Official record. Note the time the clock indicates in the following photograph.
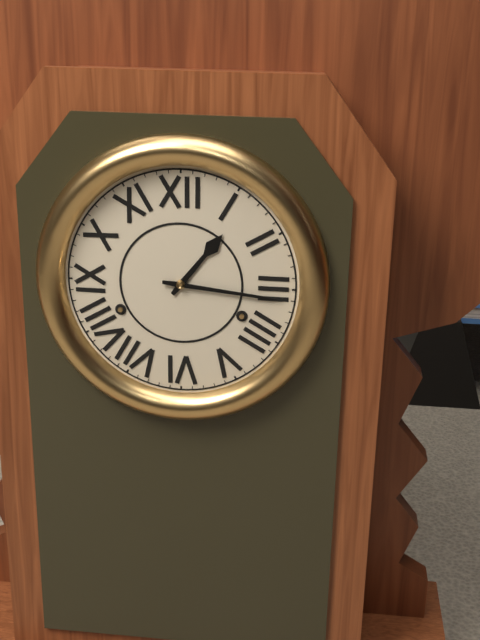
1:16
